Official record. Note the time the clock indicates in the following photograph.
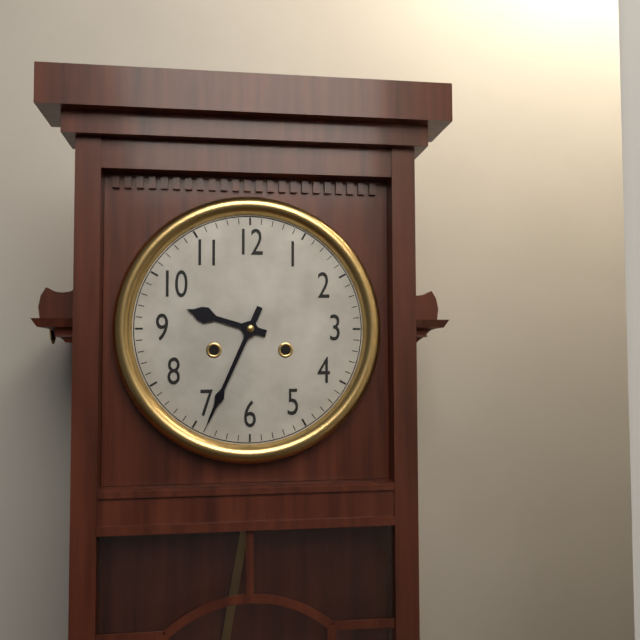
9:34
